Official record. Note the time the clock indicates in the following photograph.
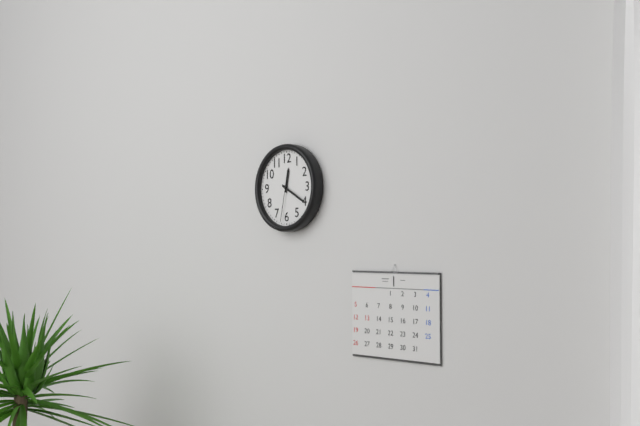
12:20
